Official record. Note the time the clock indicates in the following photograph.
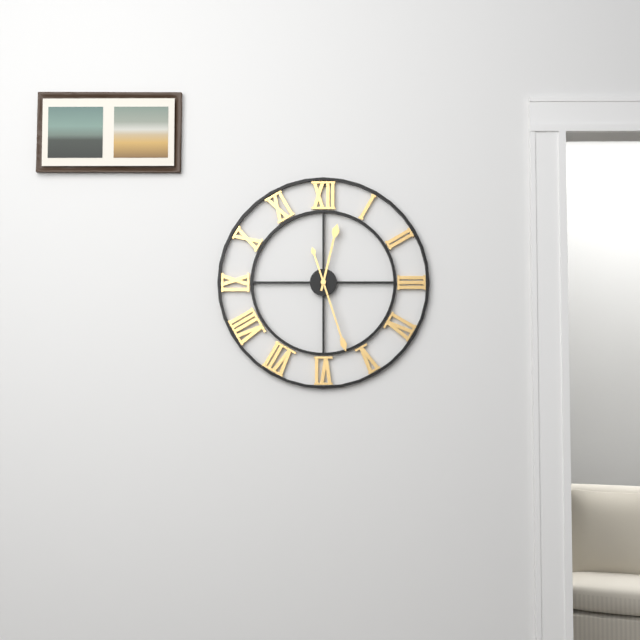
12:27
